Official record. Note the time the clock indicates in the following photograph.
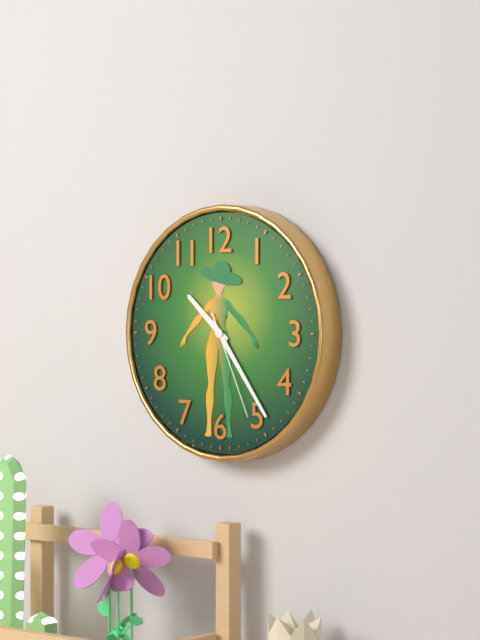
10:24:26
